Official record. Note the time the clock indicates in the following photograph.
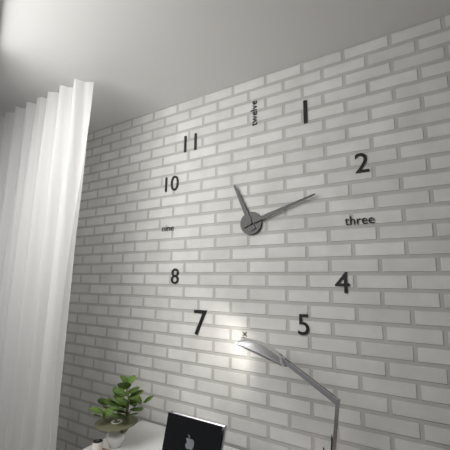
11:12
